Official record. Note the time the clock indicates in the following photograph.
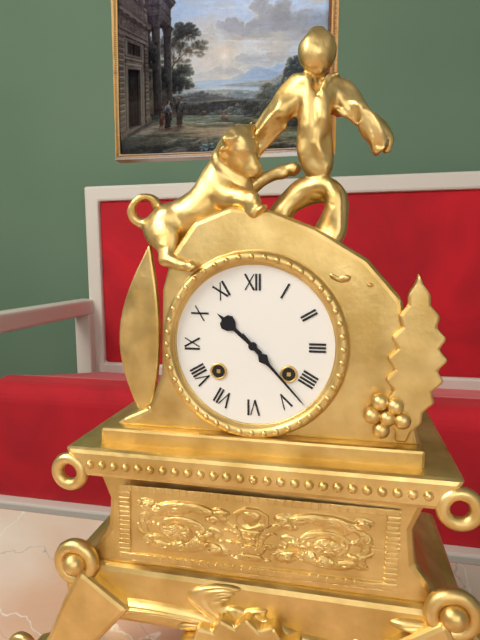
10:23
